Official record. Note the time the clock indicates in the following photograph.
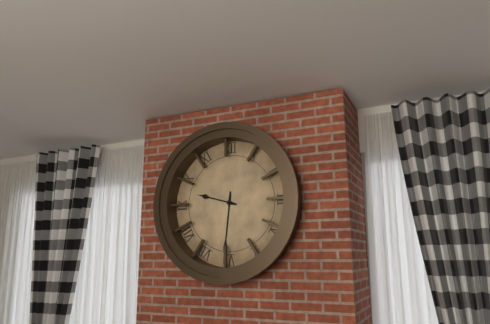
9:31
